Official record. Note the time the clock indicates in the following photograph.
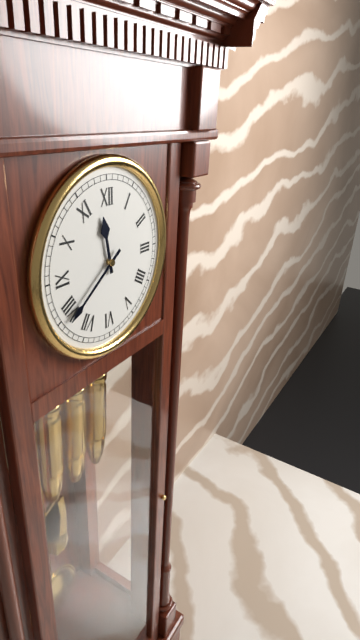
11:39
